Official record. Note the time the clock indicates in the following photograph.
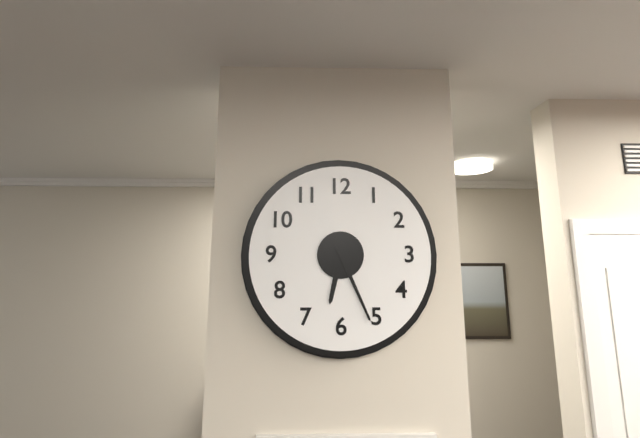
6:26
